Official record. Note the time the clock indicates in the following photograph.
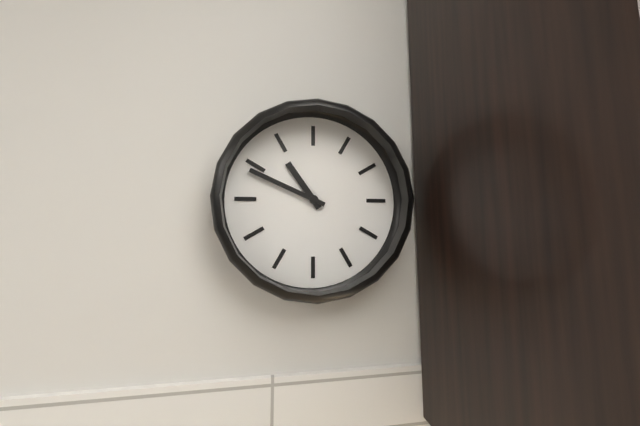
10:49
